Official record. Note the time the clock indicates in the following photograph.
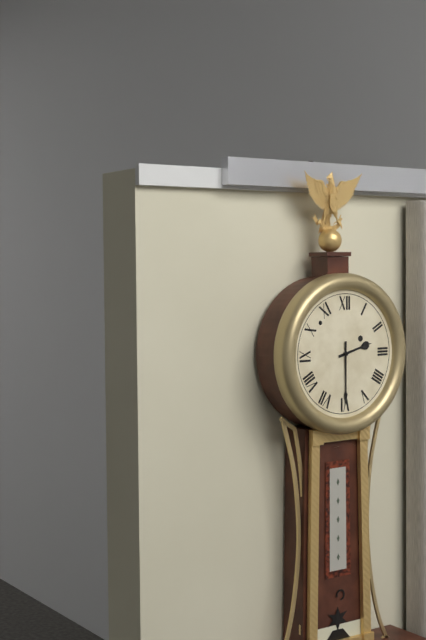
2:30
